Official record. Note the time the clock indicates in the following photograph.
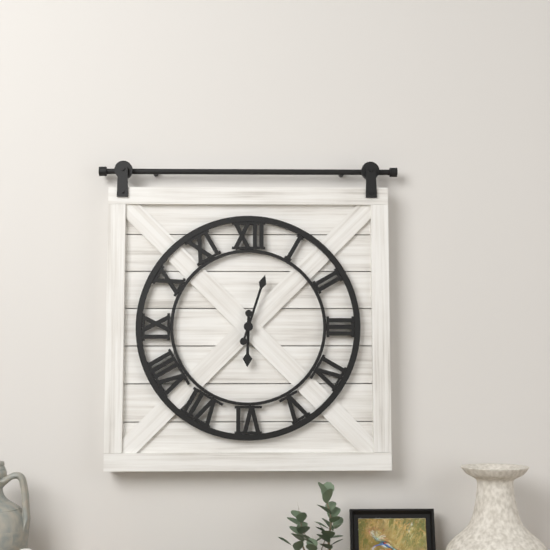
6:03
